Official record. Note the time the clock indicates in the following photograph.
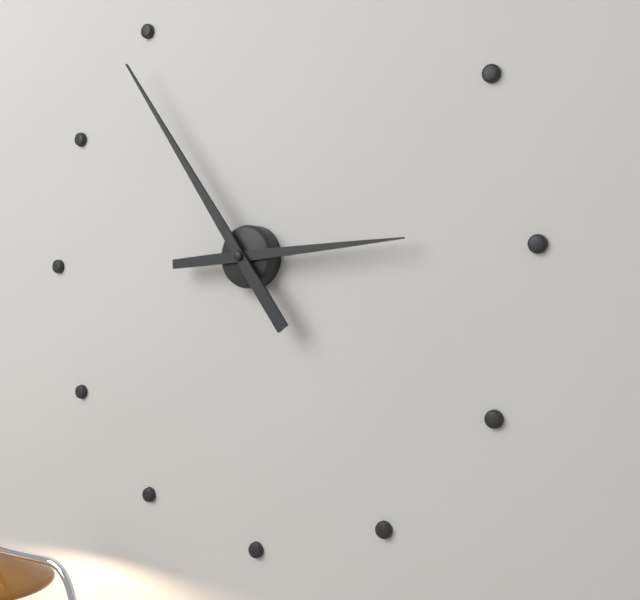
2:54
